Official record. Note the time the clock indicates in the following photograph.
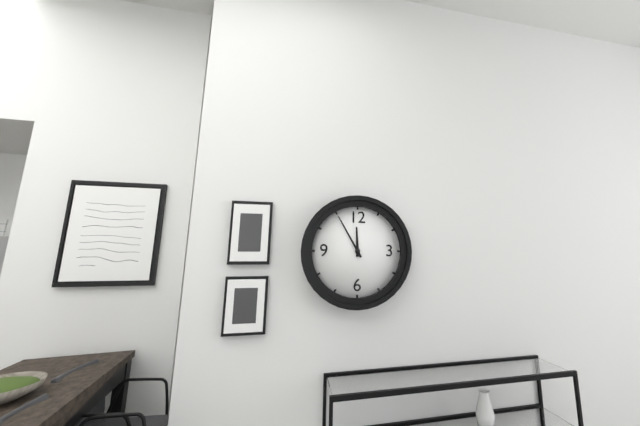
11:55
